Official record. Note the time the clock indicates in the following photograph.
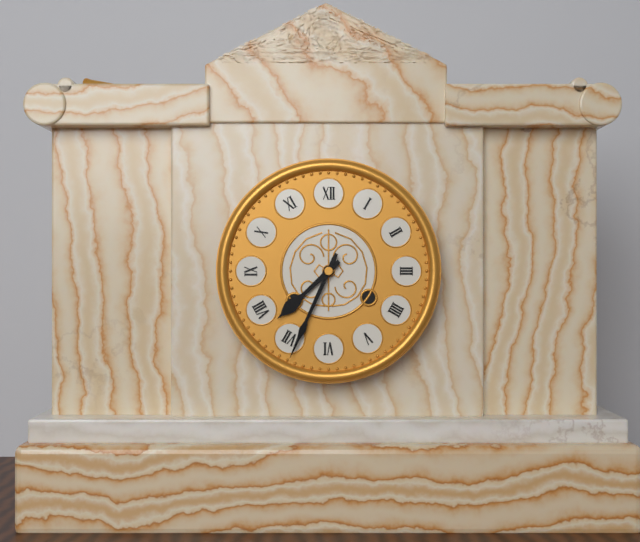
7:34
